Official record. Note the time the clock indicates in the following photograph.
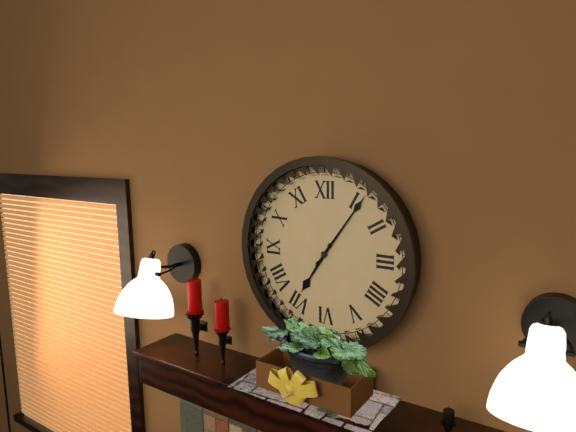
7:06
